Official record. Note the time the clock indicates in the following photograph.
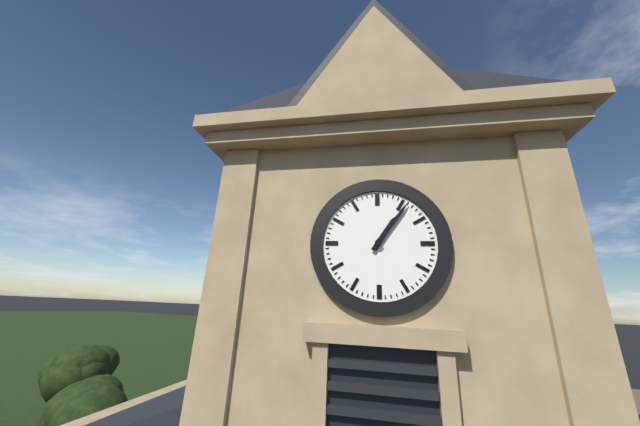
1:06
